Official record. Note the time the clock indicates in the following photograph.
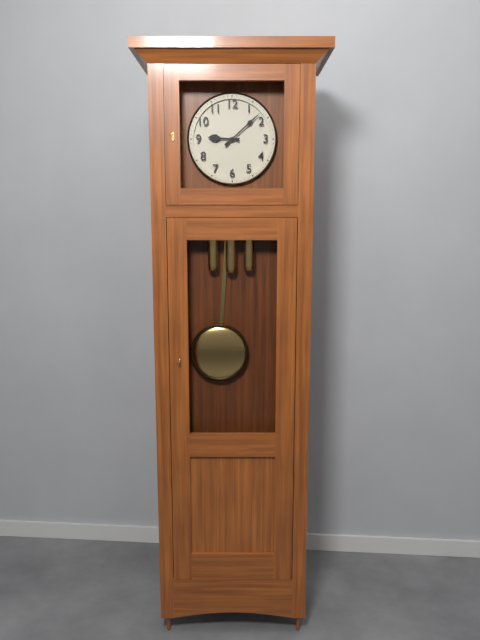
9:08
